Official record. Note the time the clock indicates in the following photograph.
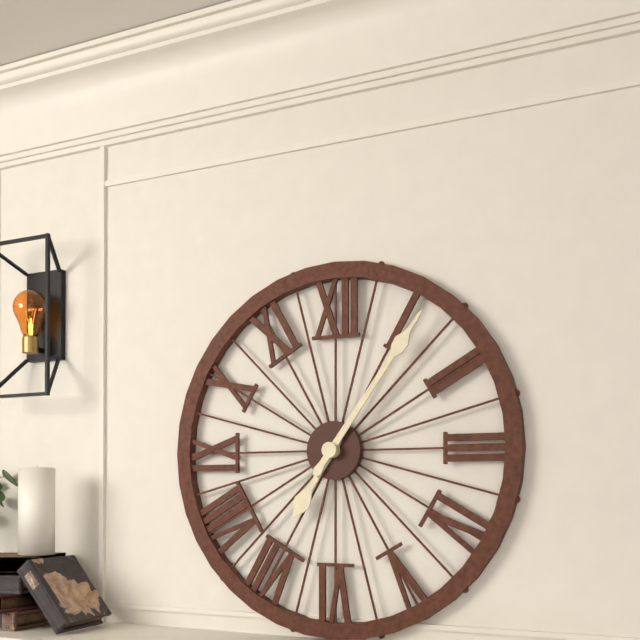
7:06
